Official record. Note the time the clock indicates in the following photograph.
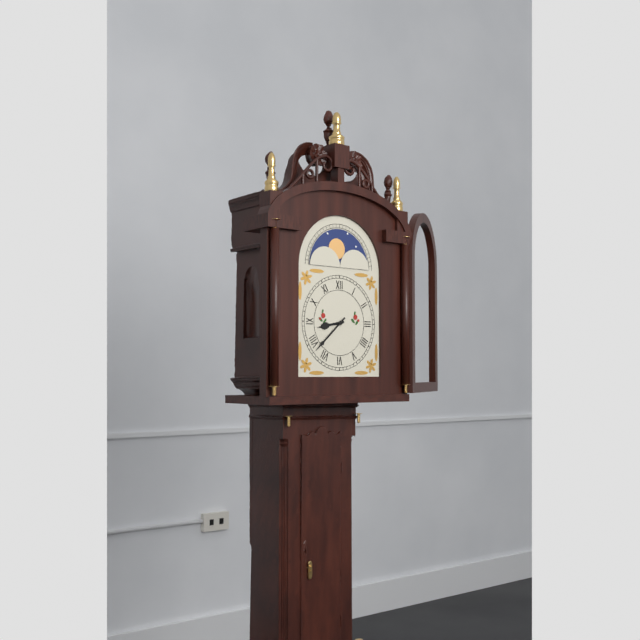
8:38
